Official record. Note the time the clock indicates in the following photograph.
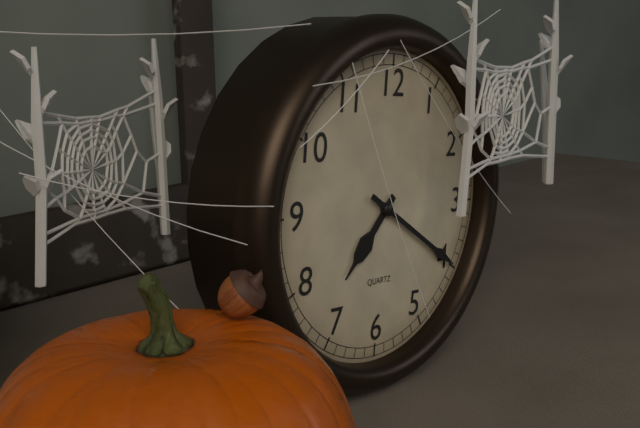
7:20
